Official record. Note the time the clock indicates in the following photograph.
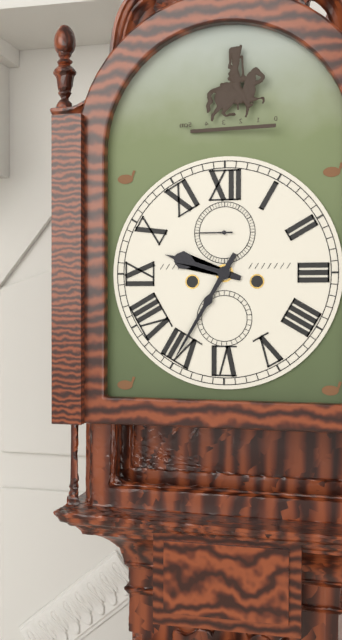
9:35
